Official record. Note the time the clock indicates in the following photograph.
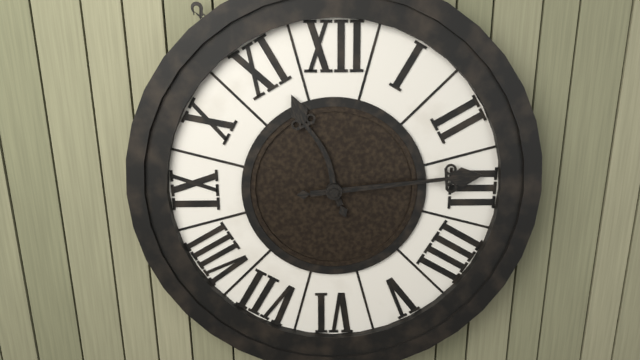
11:14
